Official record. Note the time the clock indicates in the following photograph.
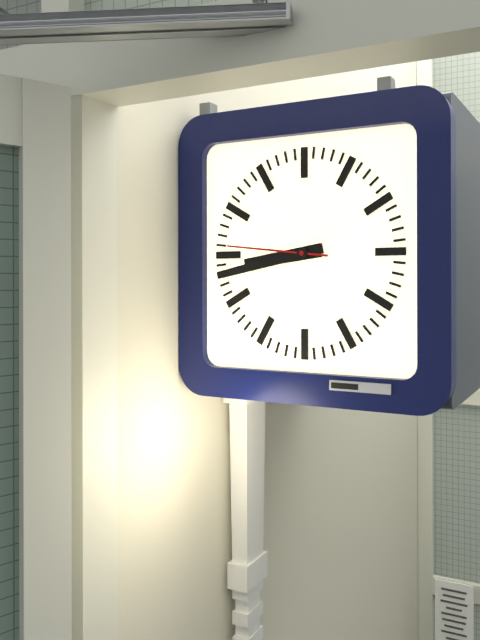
8:43:46
